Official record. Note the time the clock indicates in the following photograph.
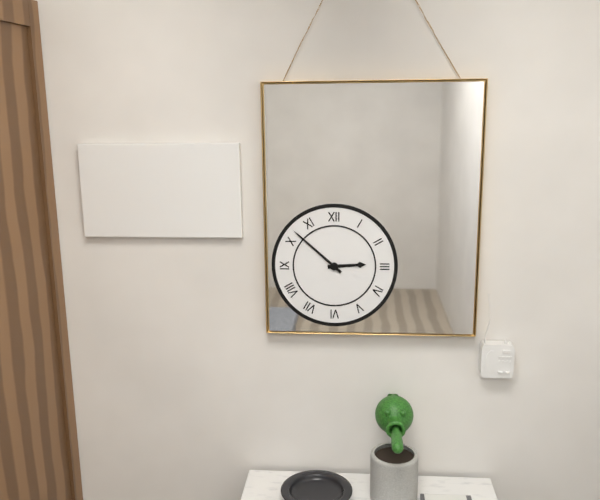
2:52
